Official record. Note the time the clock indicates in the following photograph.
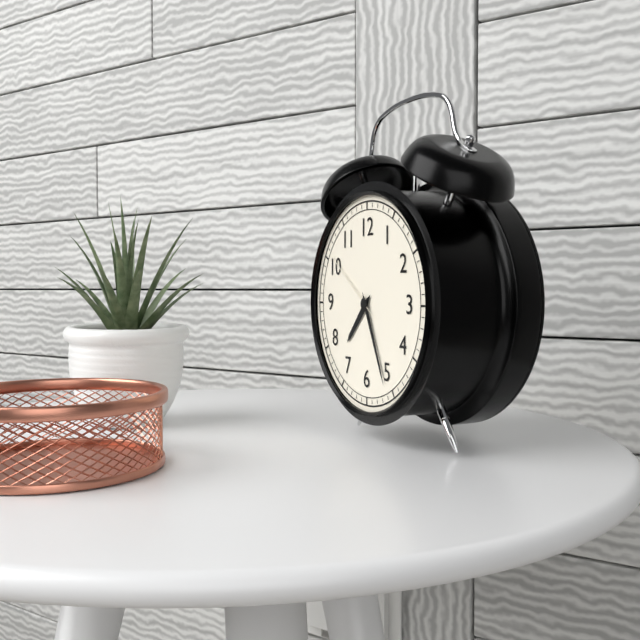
7:26:51
